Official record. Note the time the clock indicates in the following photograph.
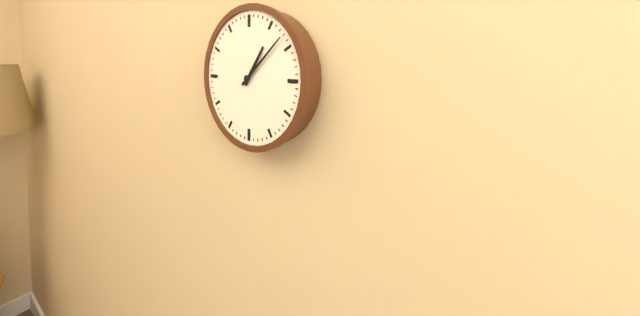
1:08
